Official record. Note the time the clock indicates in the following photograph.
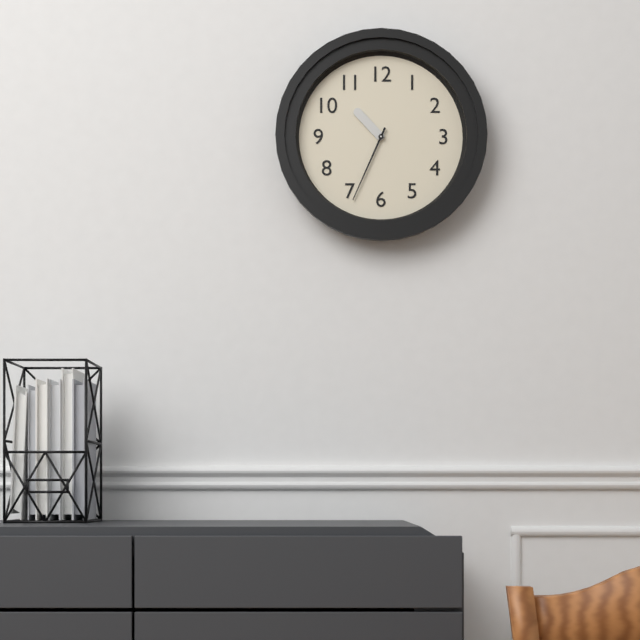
10:34
